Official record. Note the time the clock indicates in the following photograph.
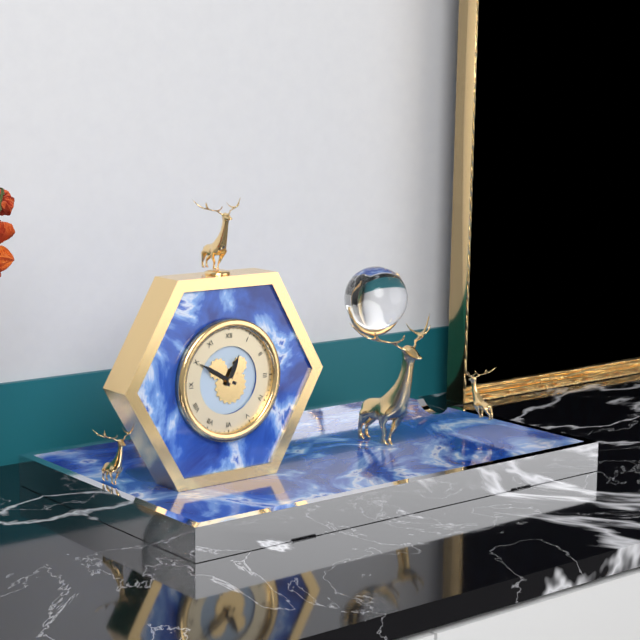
12:50
